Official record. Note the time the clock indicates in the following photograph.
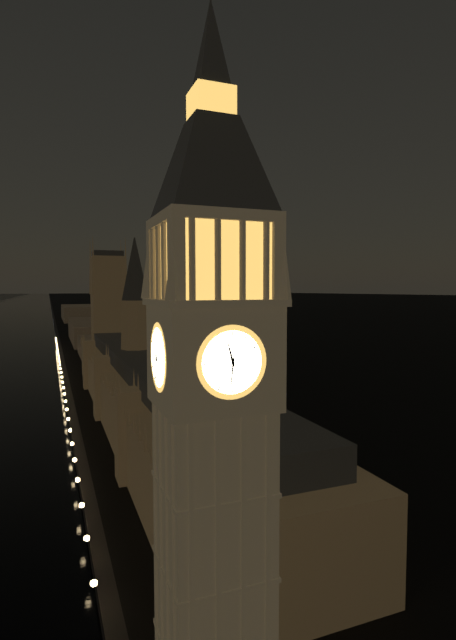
11:31
